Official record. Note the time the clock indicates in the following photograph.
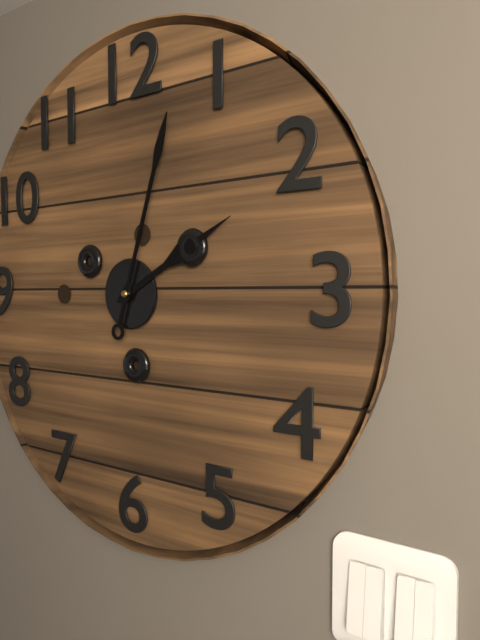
2:03
